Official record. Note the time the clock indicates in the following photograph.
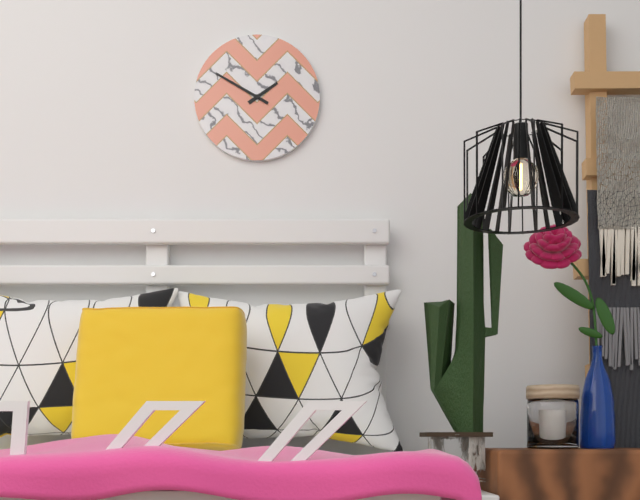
1:50
